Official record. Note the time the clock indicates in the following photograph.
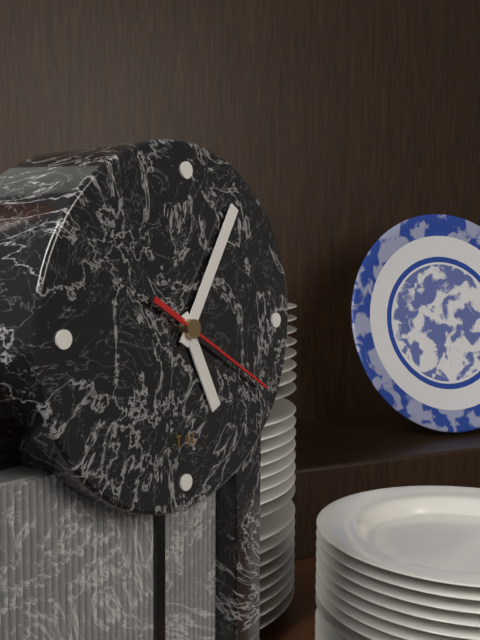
5:05:20
